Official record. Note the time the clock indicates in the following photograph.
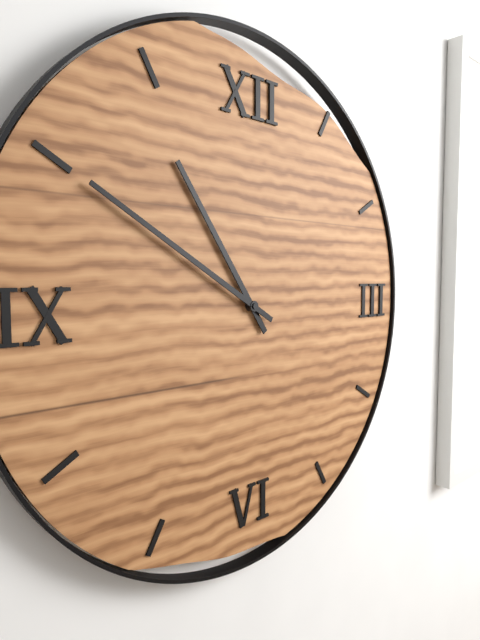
10:50
